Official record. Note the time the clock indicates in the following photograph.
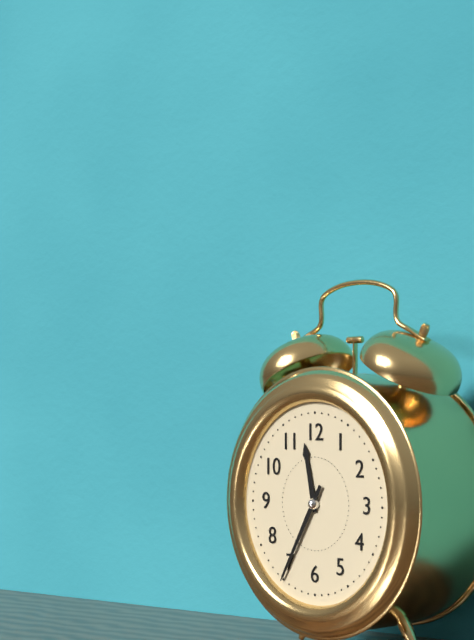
11:35
